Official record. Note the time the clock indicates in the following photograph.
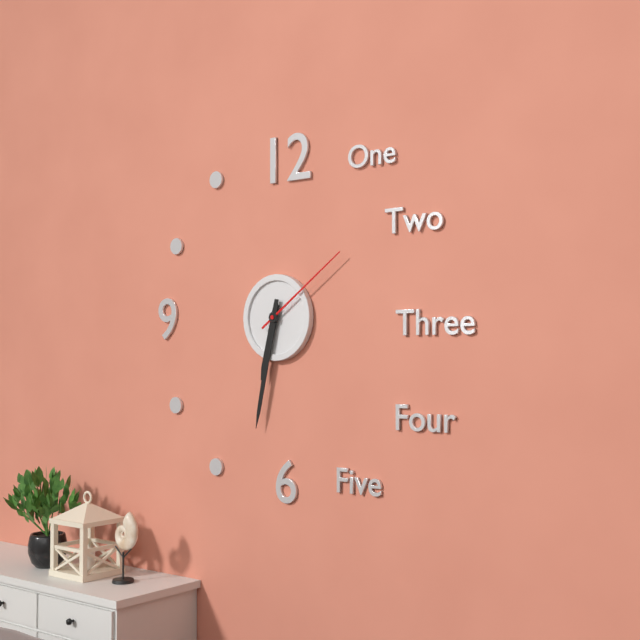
6:32:09
